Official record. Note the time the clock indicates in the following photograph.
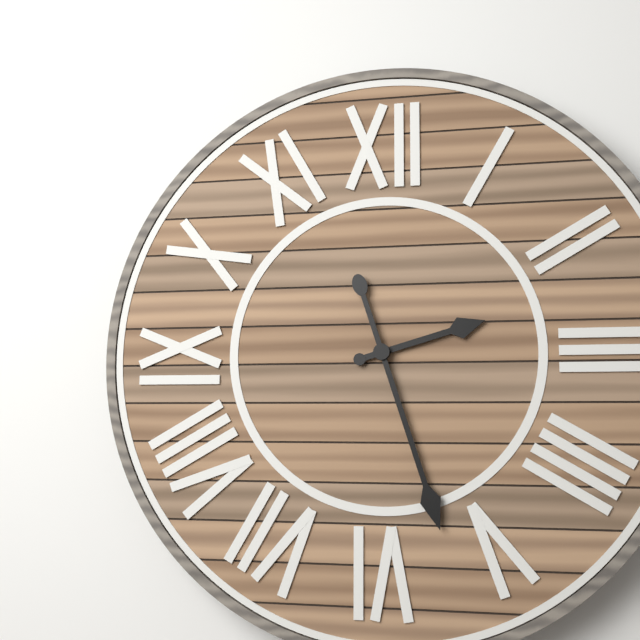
2:27
